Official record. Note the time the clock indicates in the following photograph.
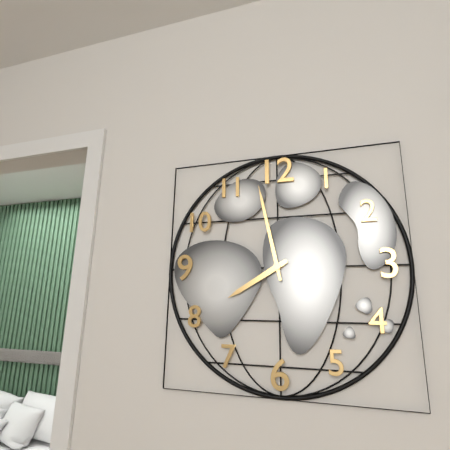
7:58
